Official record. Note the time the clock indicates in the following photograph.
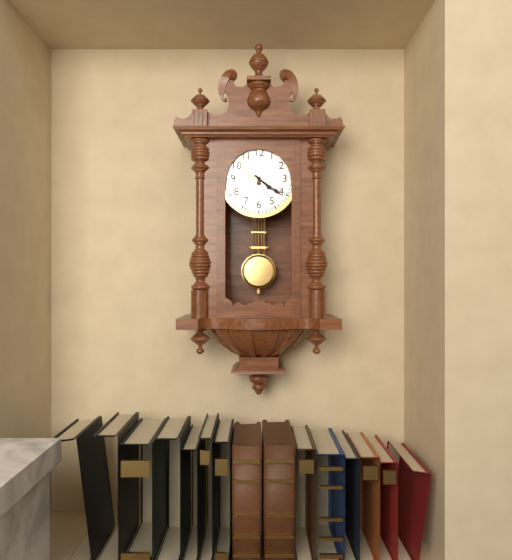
4:21
